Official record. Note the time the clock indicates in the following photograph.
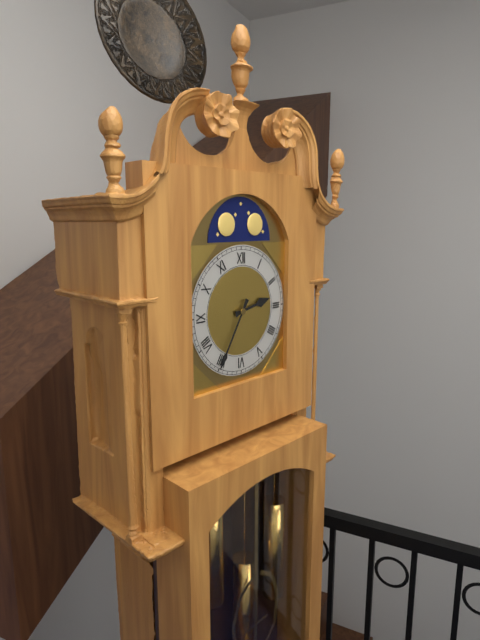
2:35
